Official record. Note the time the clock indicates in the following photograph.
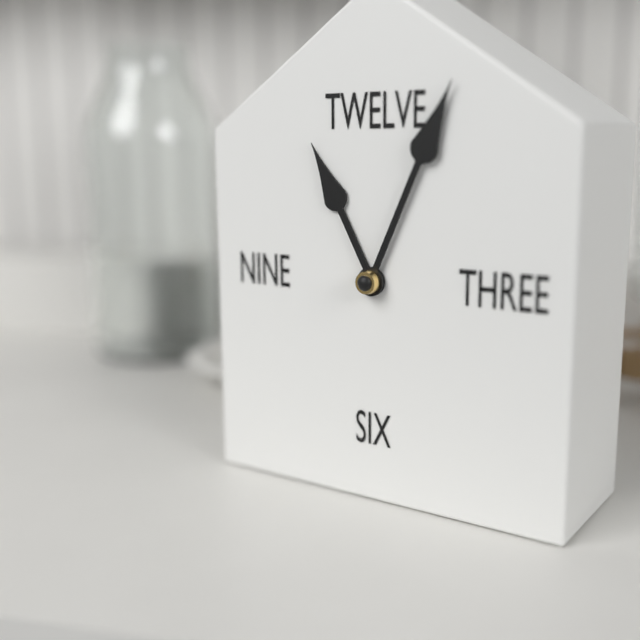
11:04
